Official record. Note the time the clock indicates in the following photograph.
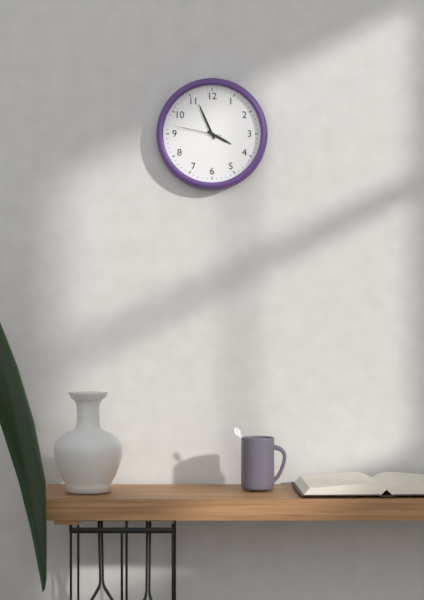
3:56
